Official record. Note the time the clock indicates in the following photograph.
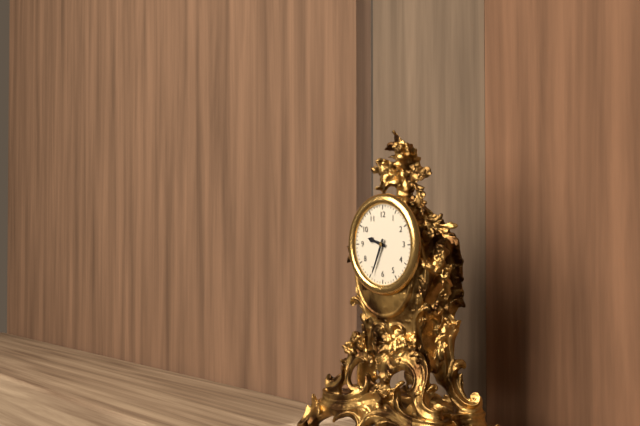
9:34
